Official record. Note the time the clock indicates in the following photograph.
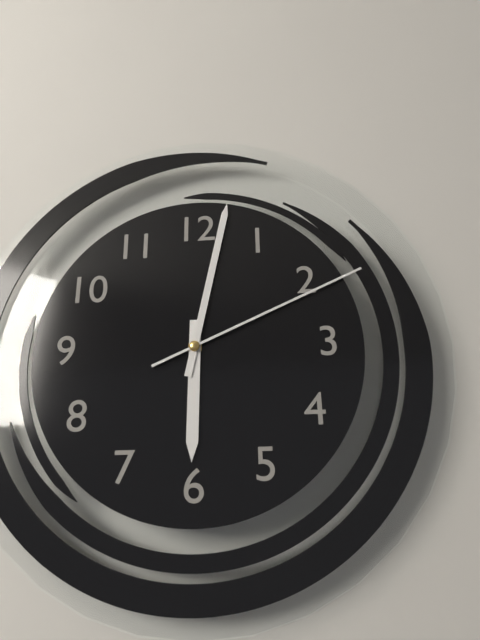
6:02:11
